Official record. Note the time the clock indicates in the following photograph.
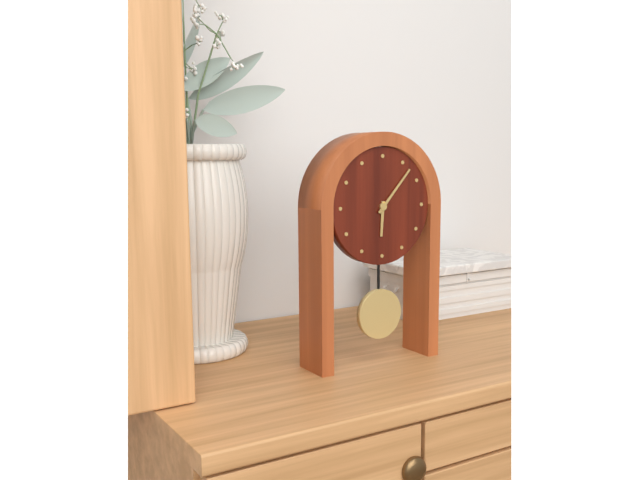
6:07
